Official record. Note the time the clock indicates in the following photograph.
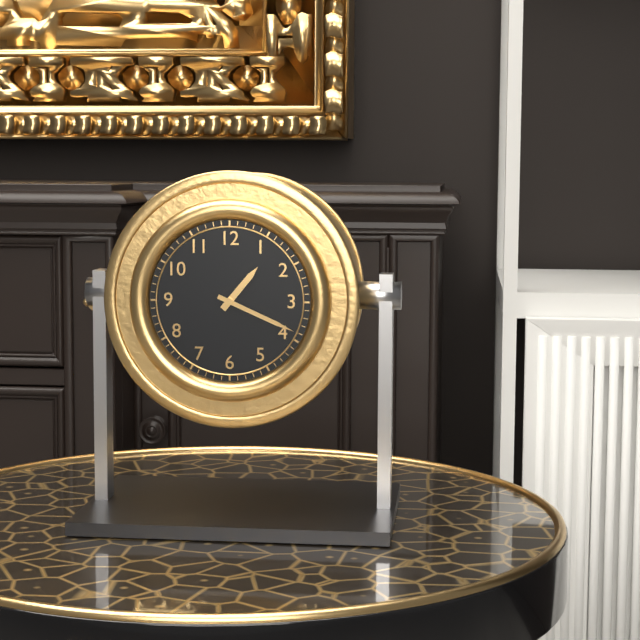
1:19
